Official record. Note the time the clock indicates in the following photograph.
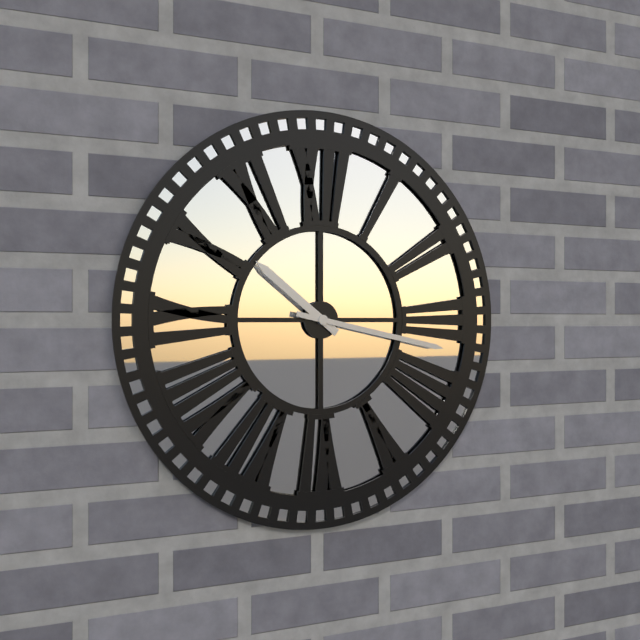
10:17
